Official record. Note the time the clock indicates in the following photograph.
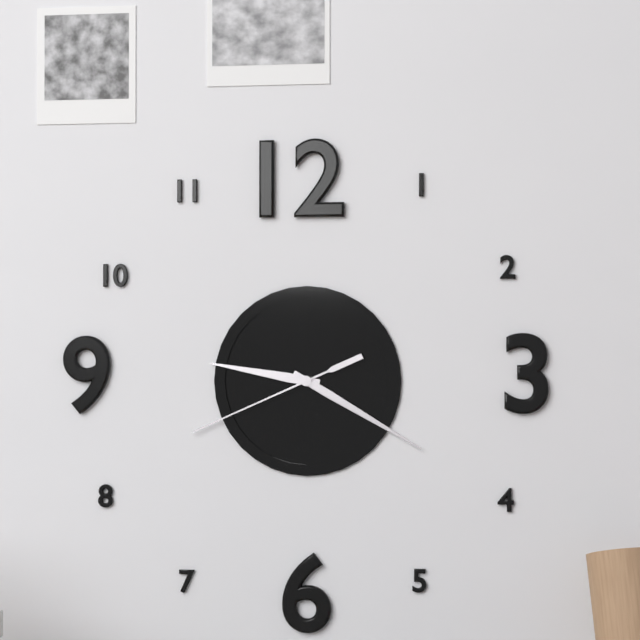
9:20:41
